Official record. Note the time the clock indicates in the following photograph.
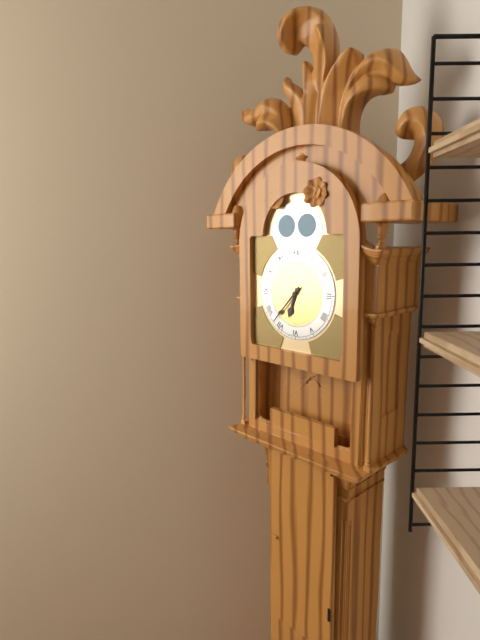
6:37
